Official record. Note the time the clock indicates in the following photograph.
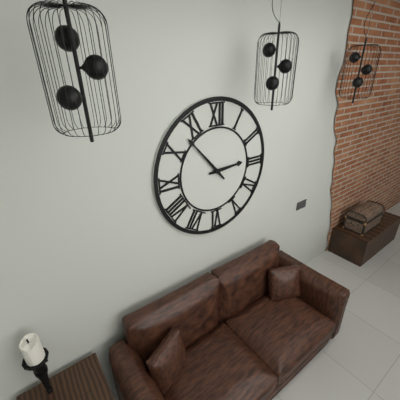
2:53
